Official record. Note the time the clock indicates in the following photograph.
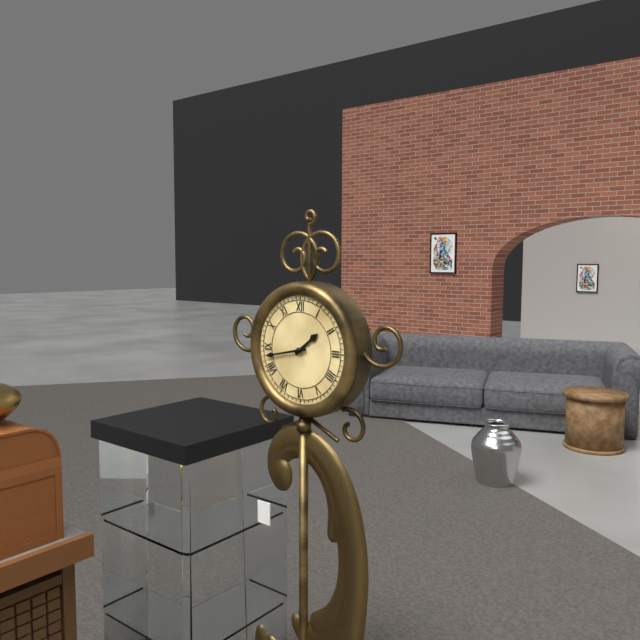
1:43
